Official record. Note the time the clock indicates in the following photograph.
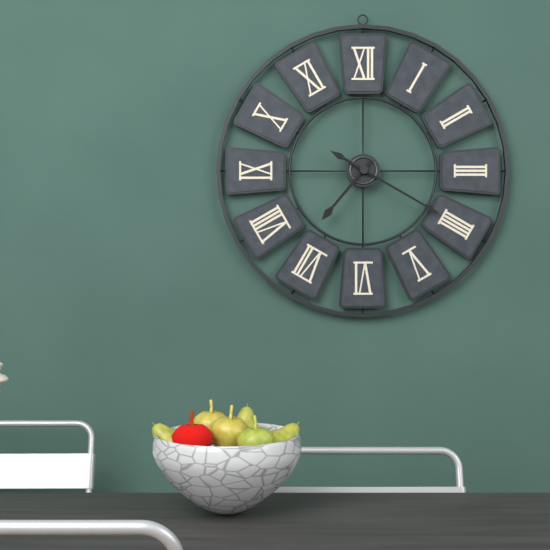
7:20
